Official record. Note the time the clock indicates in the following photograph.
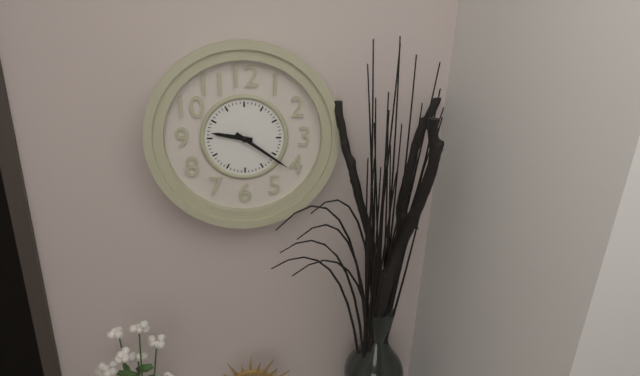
9:21
